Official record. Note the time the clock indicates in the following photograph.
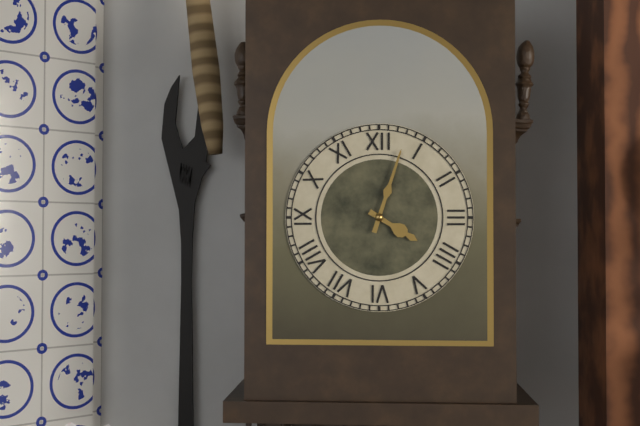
4:03
